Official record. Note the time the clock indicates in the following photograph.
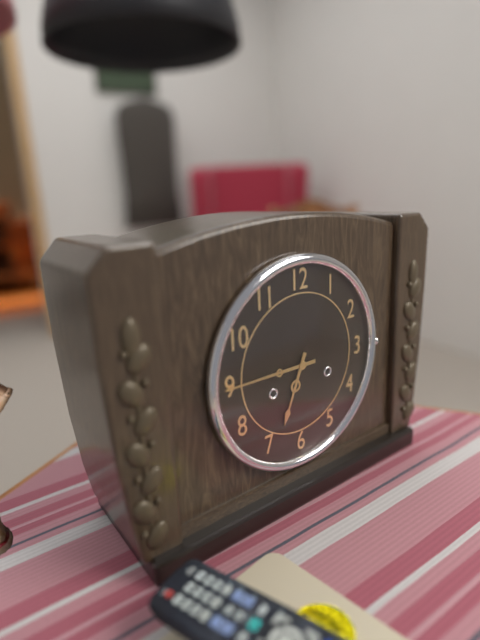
6:45
